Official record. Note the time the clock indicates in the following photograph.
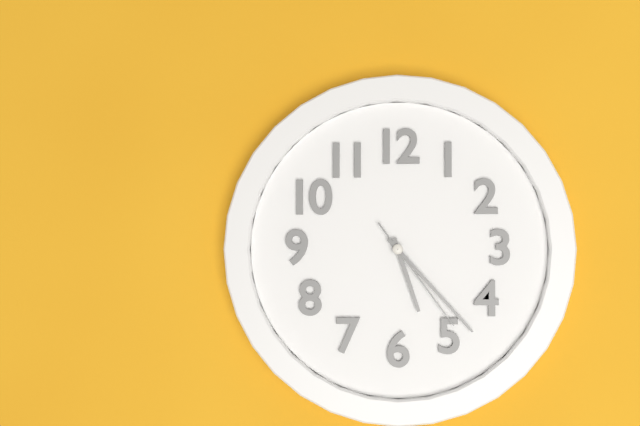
5:23:24
